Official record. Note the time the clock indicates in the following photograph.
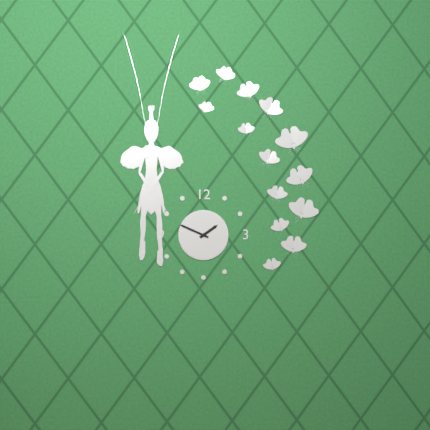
1:49
